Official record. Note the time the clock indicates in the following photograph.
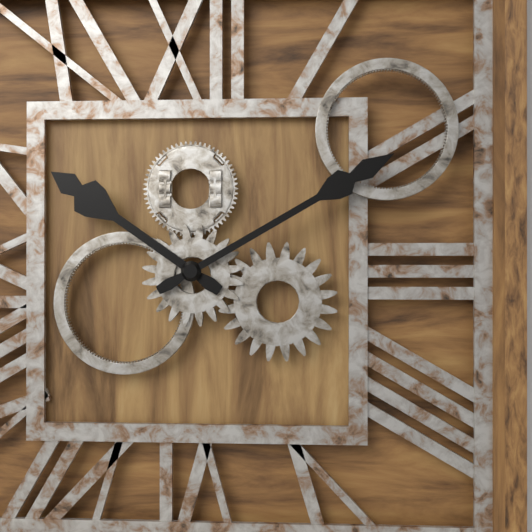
10:10
